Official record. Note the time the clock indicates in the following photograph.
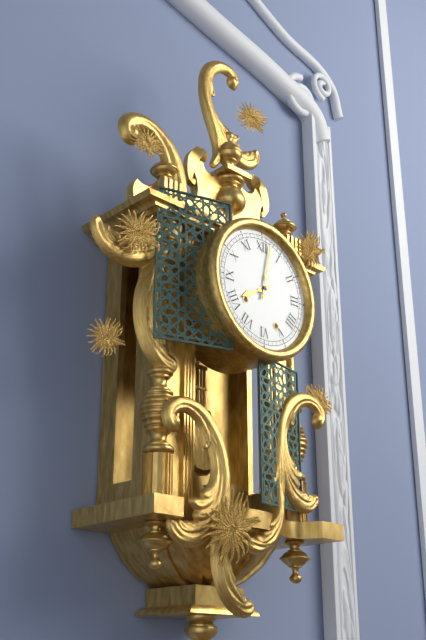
8:02
